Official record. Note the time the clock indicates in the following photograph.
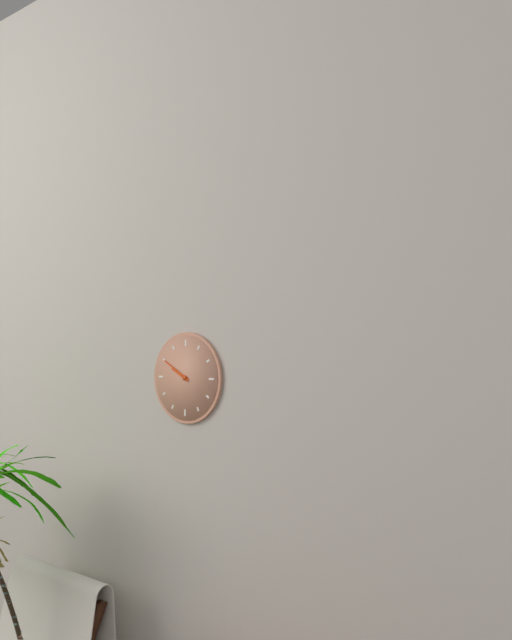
9:50
